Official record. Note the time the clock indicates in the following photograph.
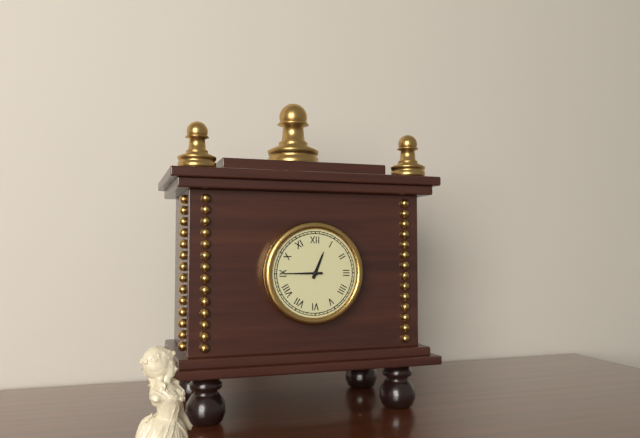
12:45
